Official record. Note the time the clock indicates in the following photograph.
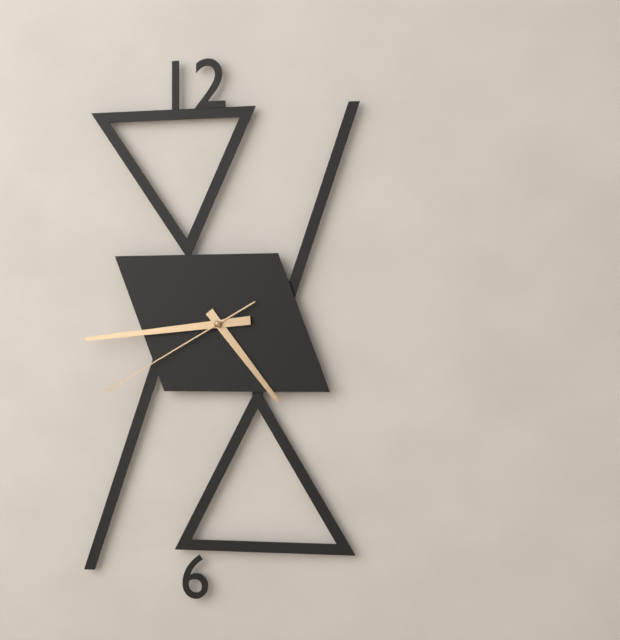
4:44:40
